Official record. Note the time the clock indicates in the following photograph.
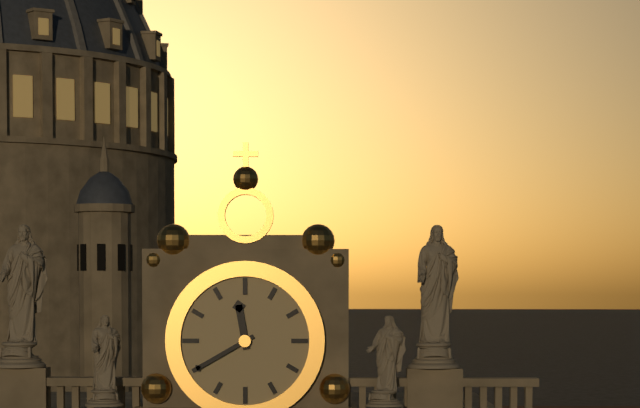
11:40
